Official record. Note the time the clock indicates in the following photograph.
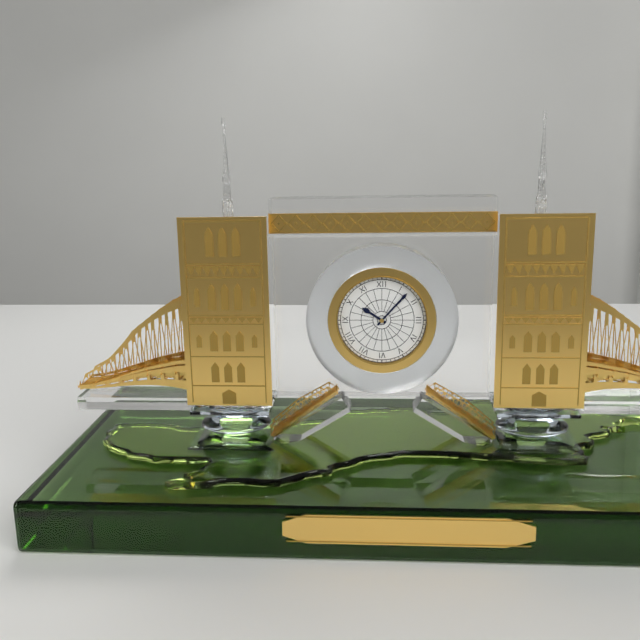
10:07
